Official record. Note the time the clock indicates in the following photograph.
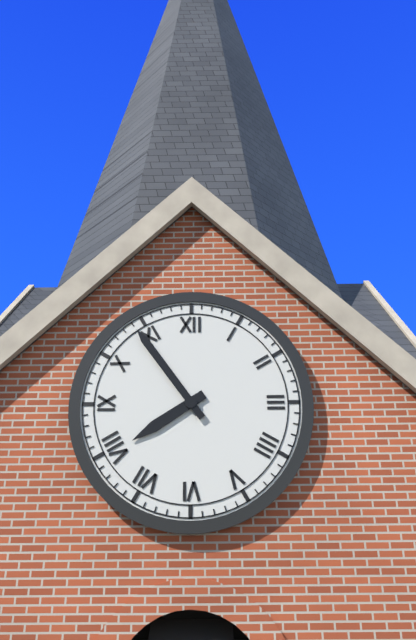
7:54
